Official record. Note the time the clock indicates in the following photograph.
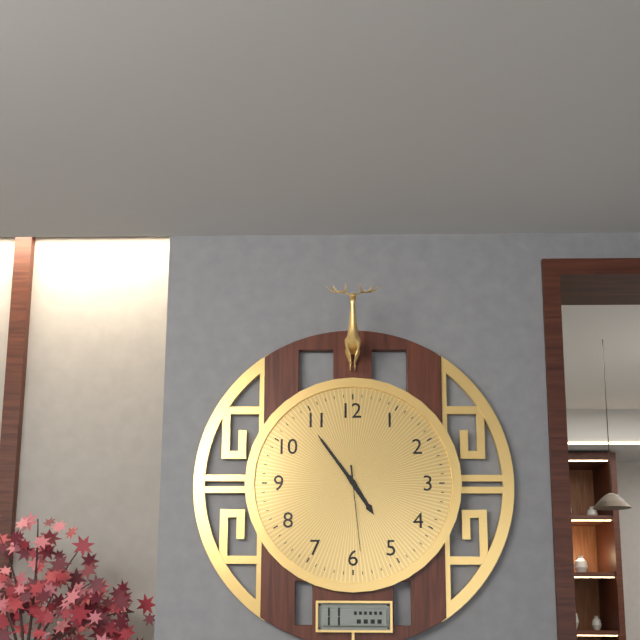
4:54:29
